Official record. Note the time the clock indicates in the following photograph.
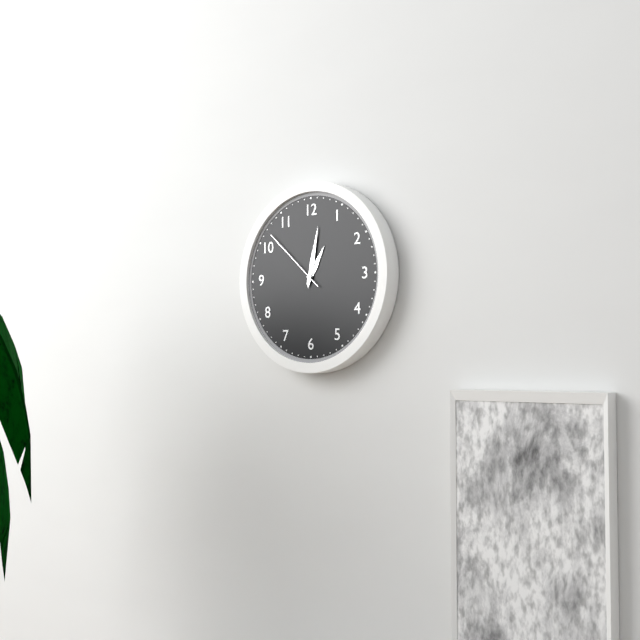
1:02:52
